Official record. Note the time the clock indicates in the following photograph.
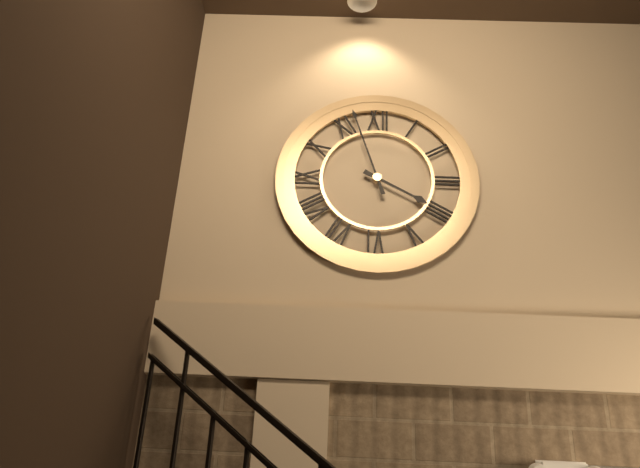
3:57
